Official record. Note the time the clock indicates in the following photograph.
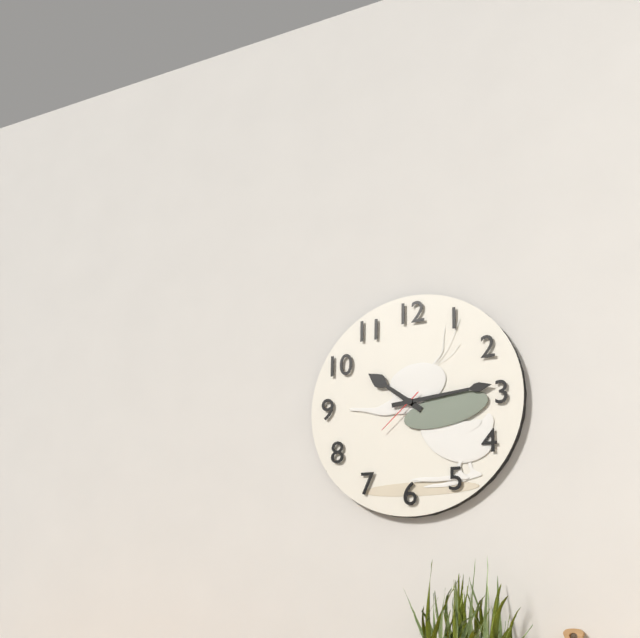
10:14:38
